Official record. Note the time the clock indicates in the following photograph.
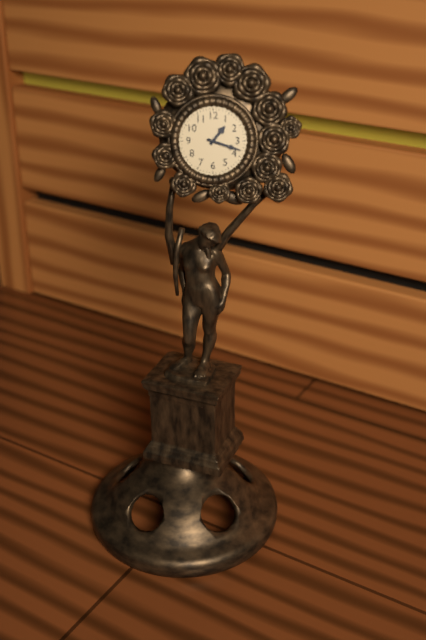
1:18
